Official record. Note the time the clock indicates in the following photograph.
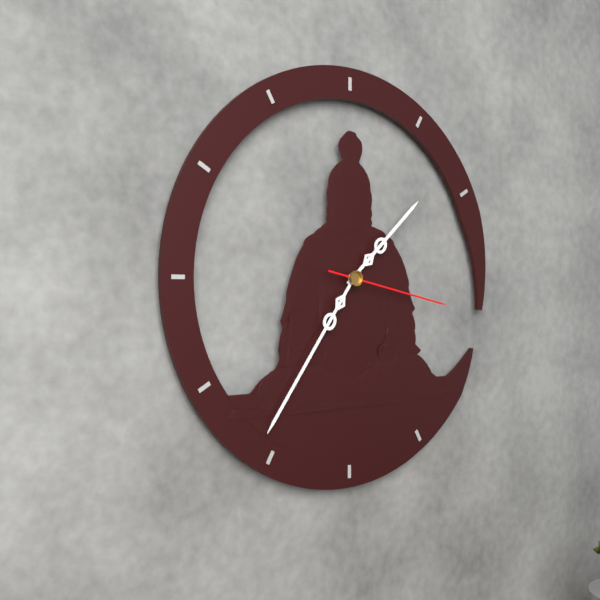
1:36:17
